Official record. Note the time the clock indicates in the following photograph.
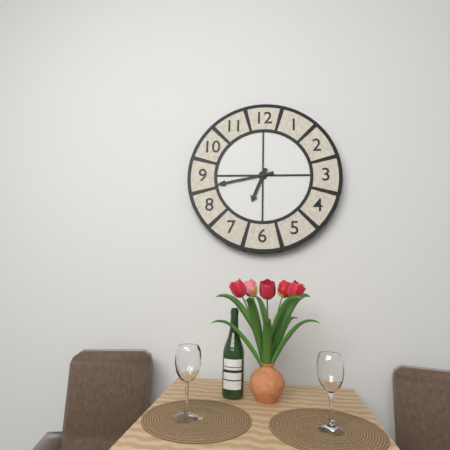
6:43
